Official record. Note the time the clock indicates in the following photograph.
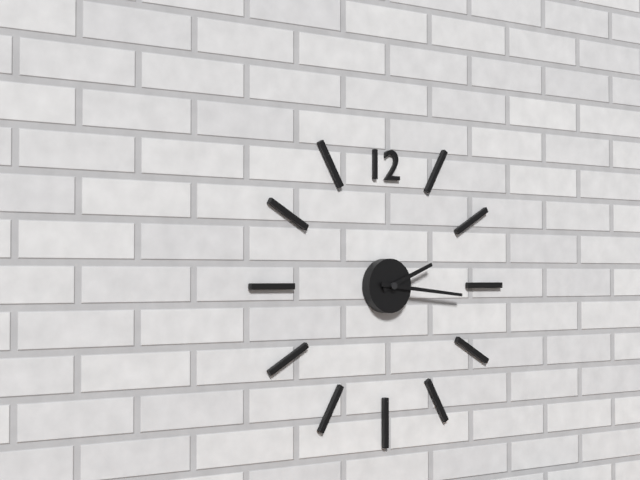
2:16
